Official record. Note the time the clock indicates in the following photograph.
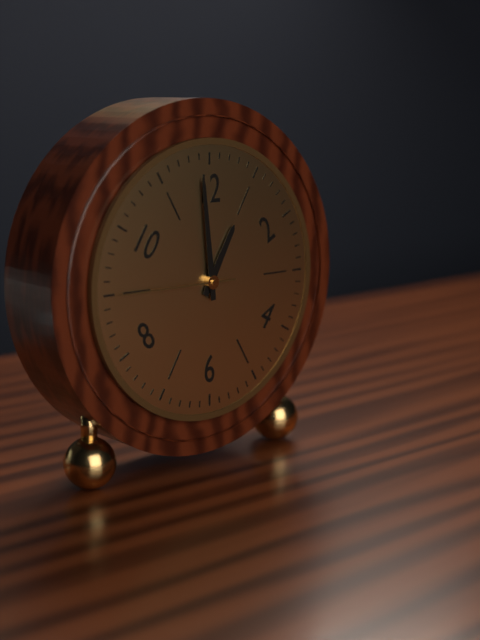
12:59:45
